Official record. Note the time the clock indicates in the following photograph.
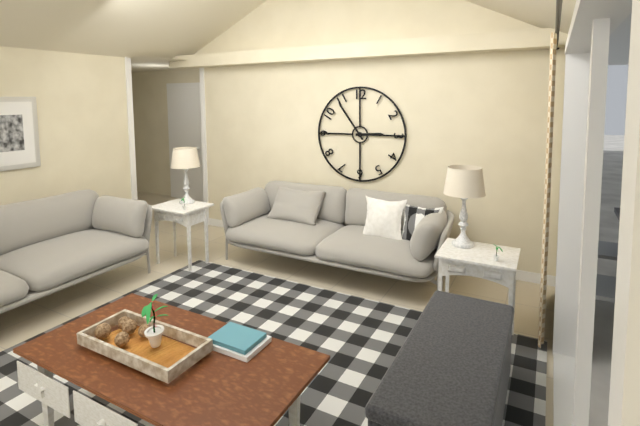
2:54
